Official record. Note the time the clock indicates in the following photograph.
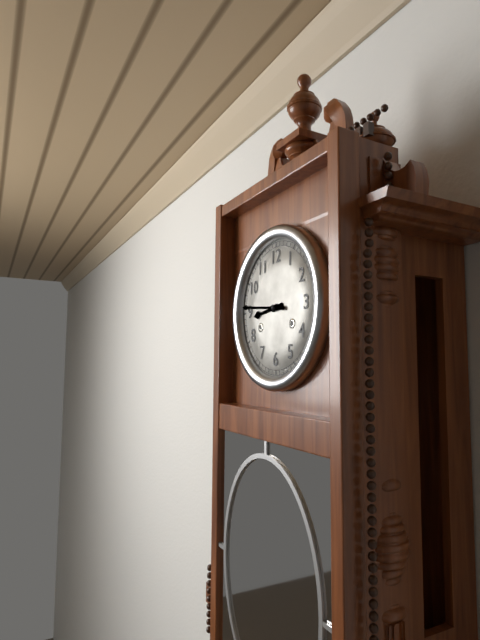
8:46
